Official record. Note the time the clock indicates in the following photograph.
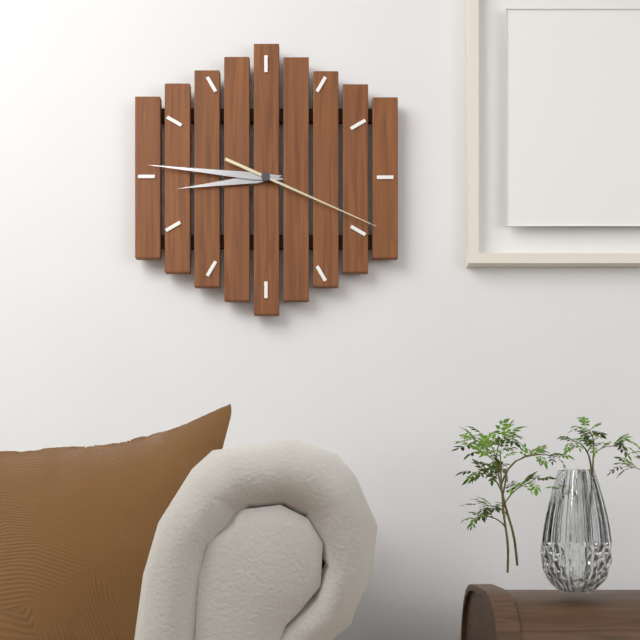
8:46:19
